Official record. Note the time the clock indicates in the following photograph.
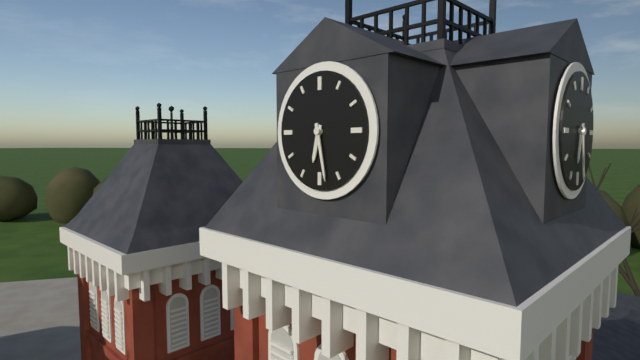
6:28
